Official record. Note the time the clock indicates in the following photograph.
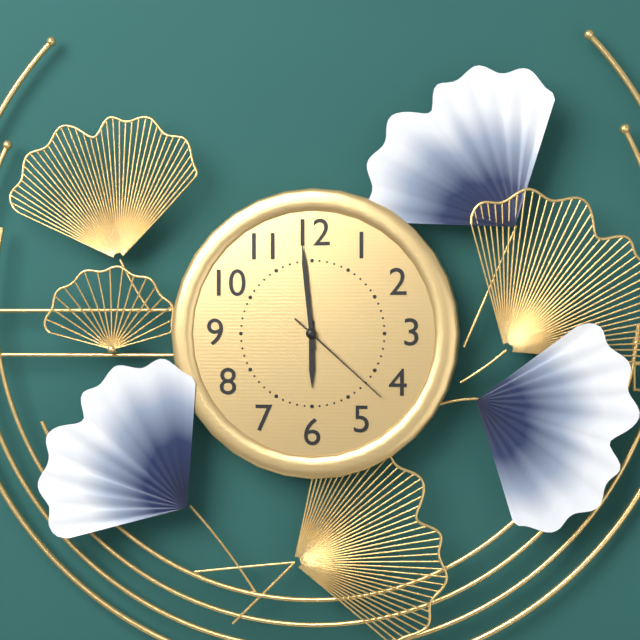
5:59:22
